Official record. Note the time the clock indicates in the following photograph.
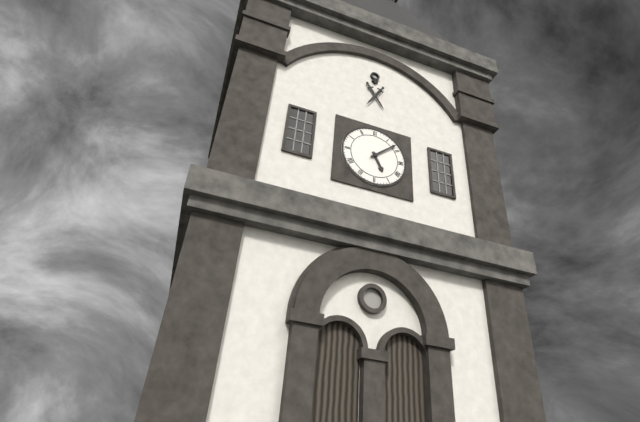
5:08
